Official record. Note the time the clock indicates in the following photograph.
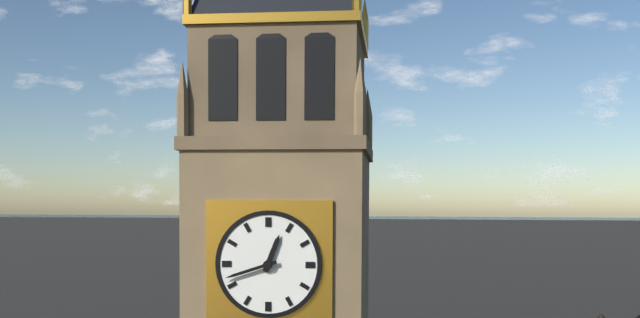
12:42
